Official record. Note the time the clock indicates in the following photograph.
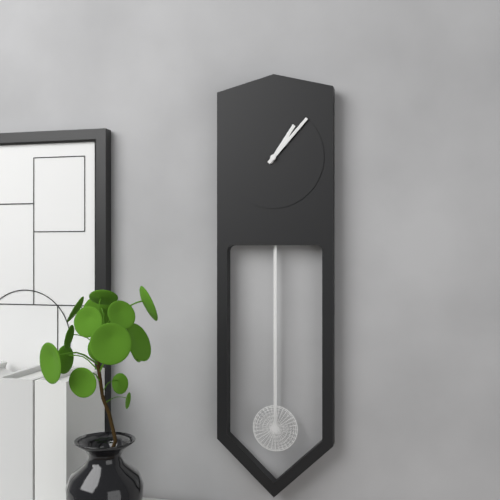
1:07
